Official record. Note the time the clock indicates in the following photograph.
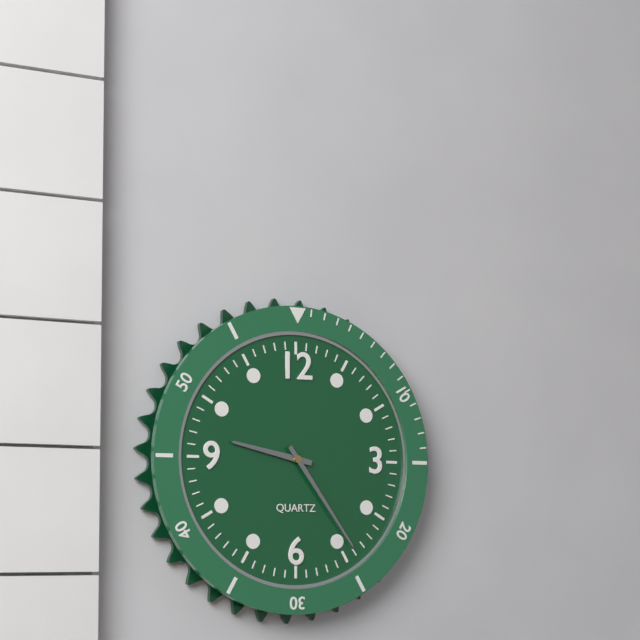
9:24
